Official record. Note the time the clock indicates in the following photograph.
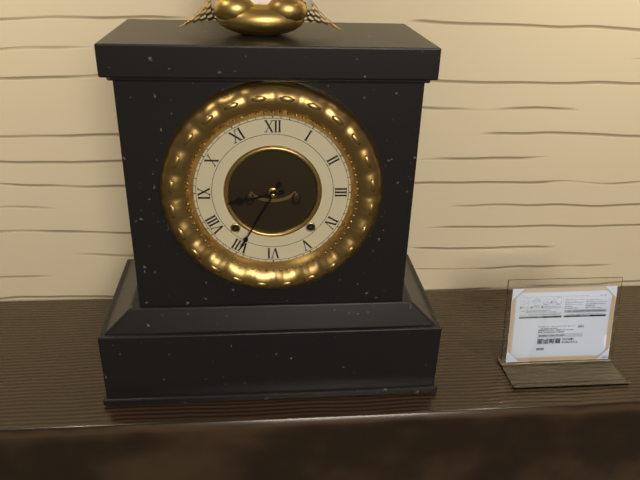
8:35
